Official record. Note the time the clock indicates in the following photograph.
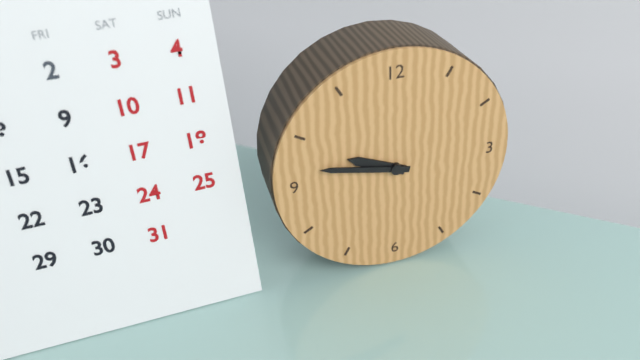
9:47
